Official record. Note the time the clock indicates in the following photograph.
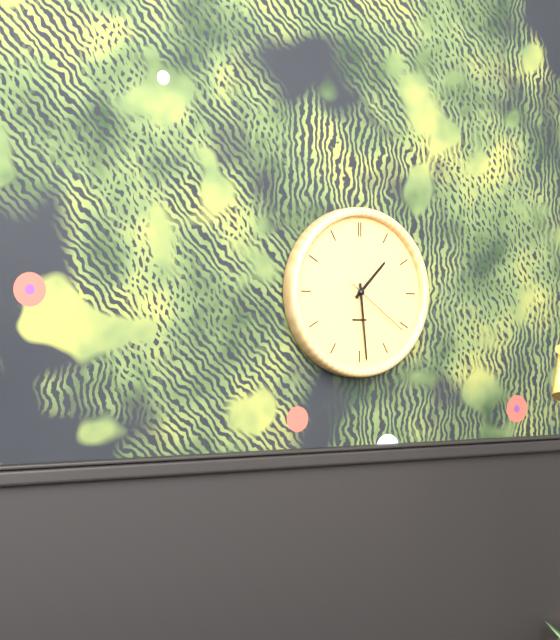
1:29:21
